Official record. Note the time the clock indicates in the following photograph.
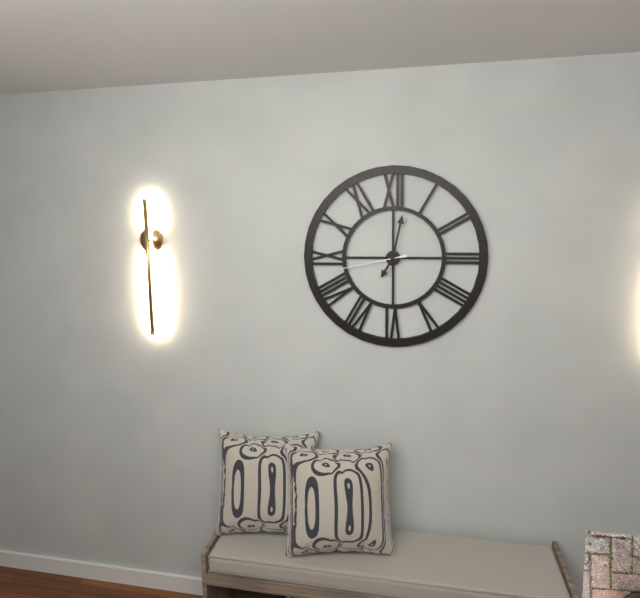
7:02:43
